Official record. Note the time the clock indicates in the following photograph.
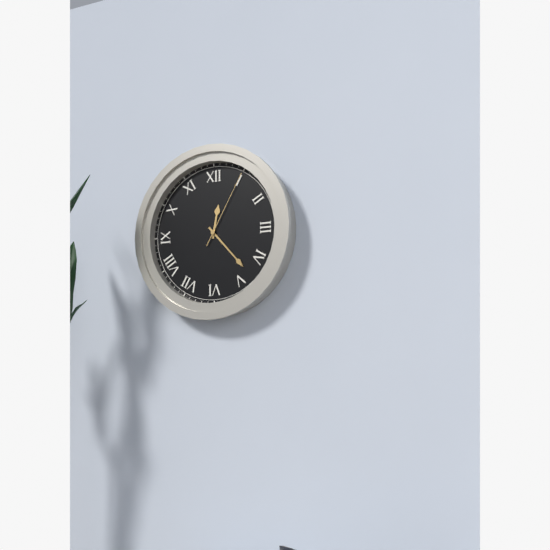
12:23:05
